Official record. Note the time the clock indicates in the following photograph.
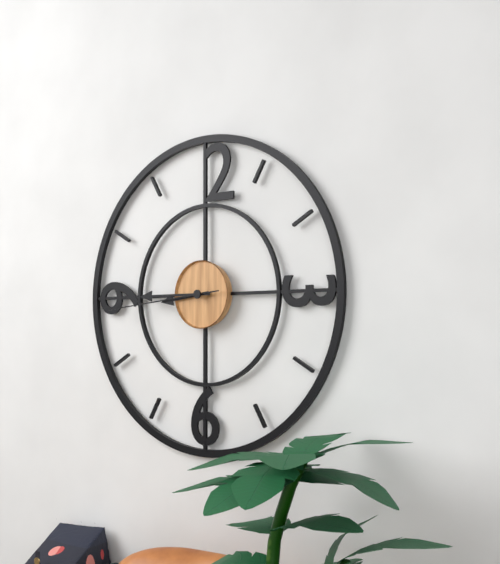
8:45:44
